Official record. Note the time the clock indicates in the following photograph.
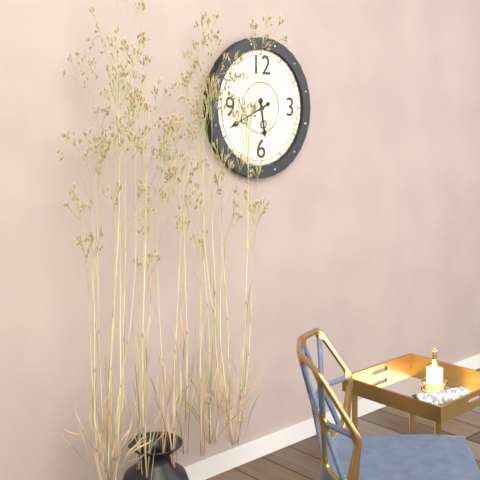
5:41
